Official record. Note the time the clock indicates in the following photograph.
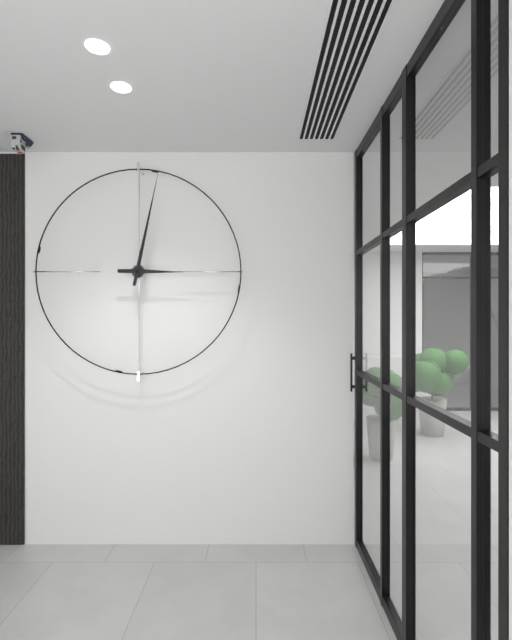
3:02
